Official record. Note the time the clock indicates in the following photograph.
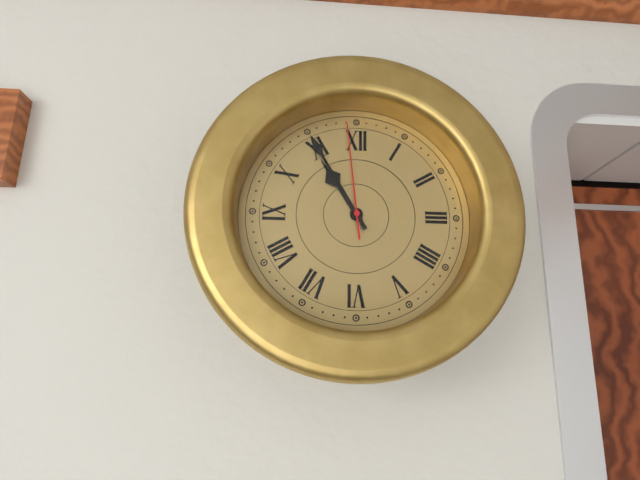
10:55:59
